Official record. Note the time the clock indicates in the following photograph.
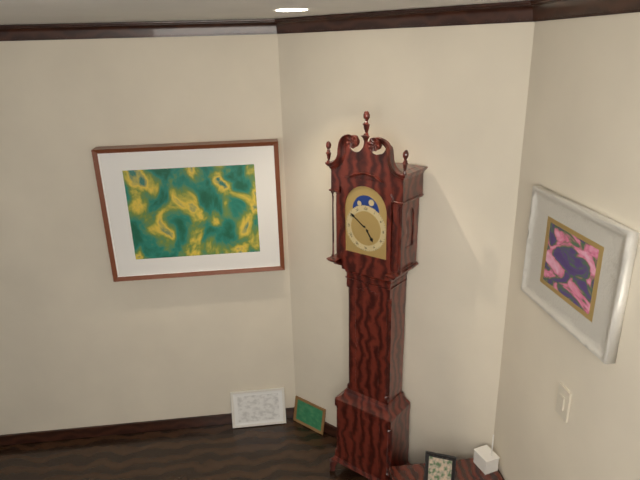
4:51
